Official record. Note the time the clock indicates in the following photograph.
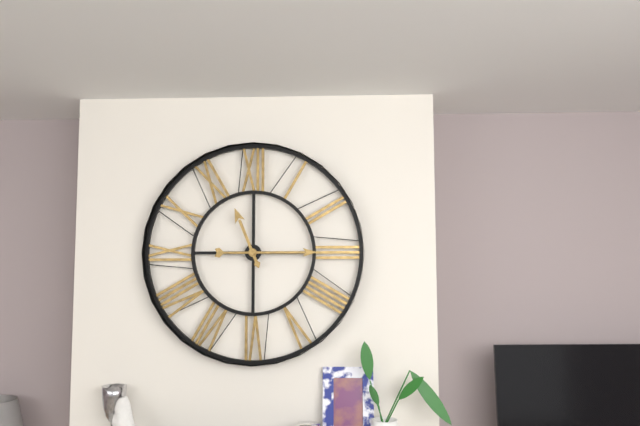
11:15
